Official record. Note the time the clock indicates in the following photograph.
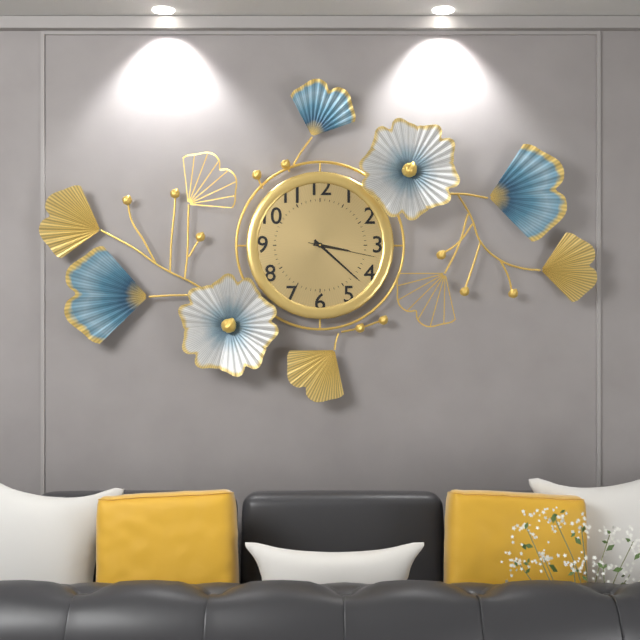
3:22:17
